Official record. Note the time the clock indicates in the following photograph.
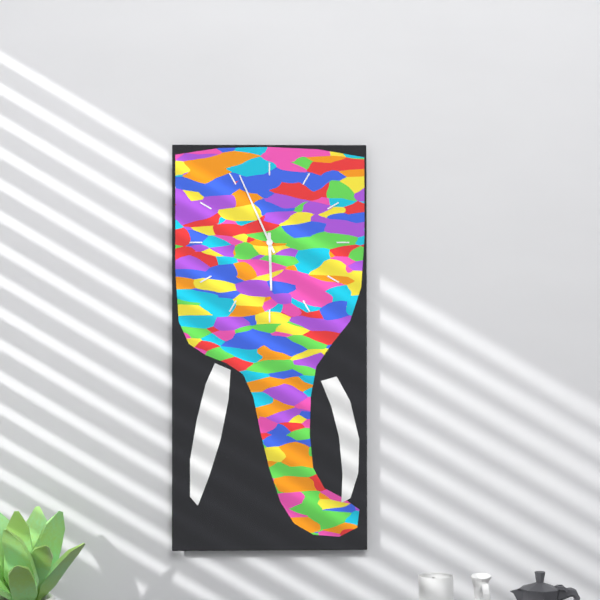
5:56
